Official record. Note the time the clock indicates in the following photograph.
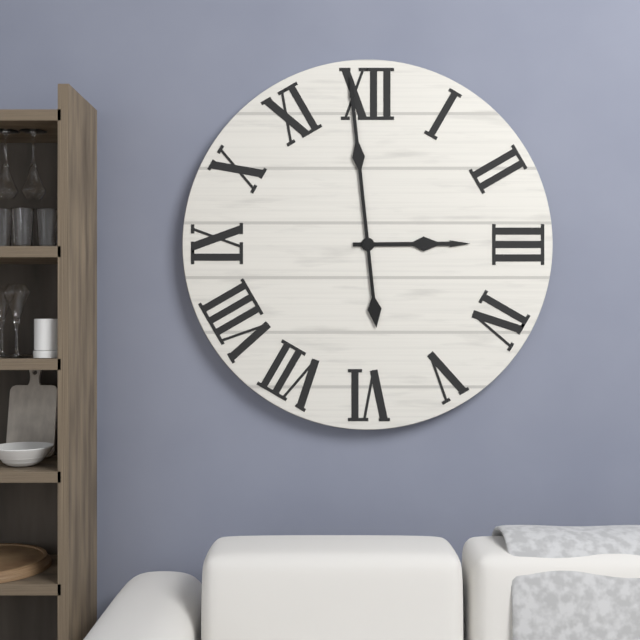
2:59
